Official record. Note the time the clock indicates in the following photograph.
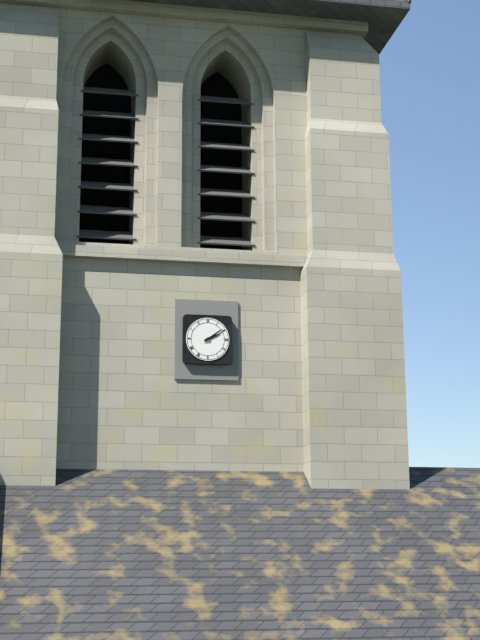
2:09
